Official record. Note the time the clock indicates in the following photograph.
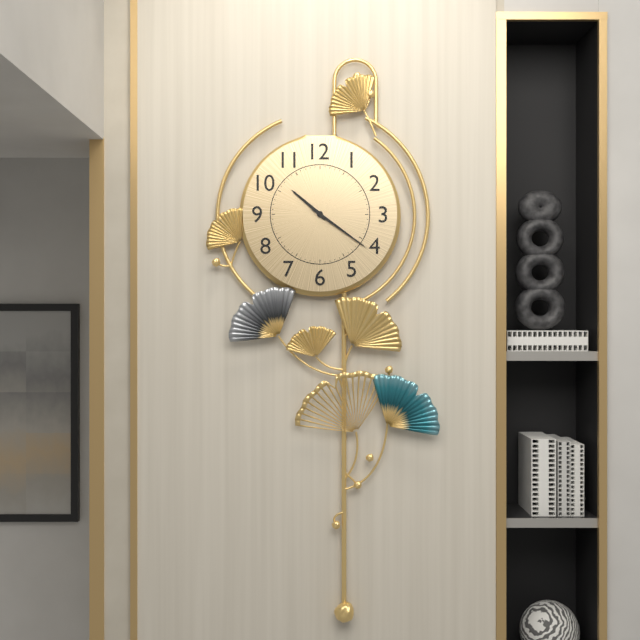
10:21
